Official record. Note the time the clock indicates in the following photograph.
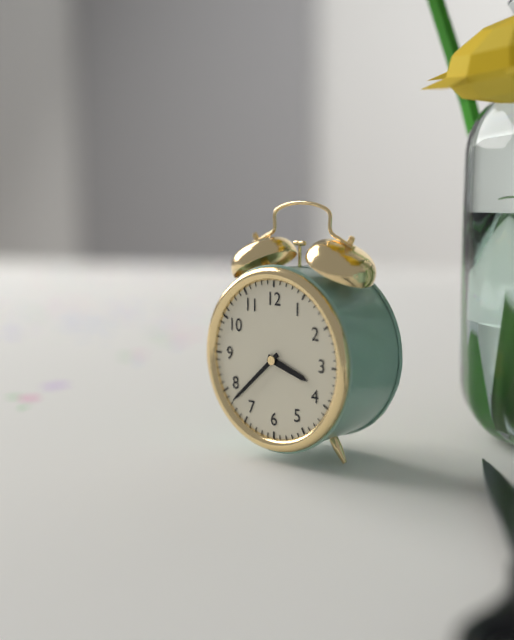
3:38
